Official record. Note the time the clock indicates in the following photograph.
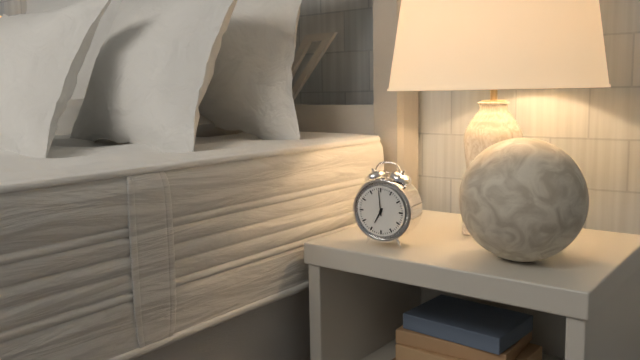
6:59
